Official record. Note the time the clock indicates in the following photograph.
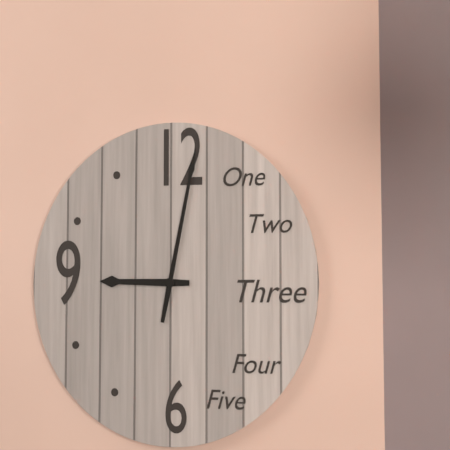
9:02
